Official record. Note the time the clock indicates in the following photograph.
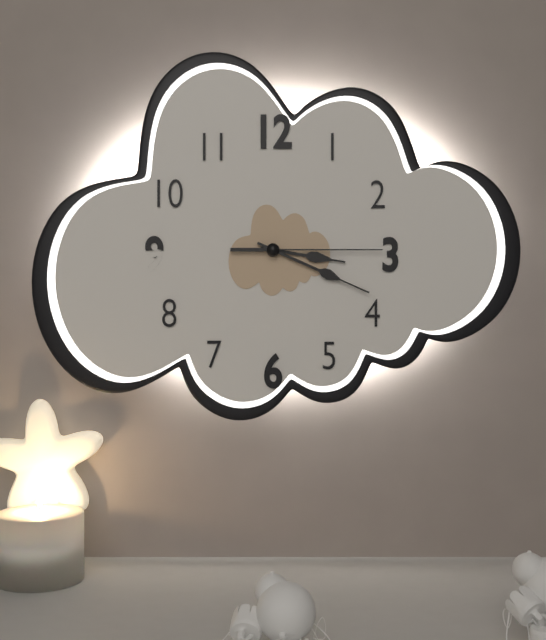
3:19:15
